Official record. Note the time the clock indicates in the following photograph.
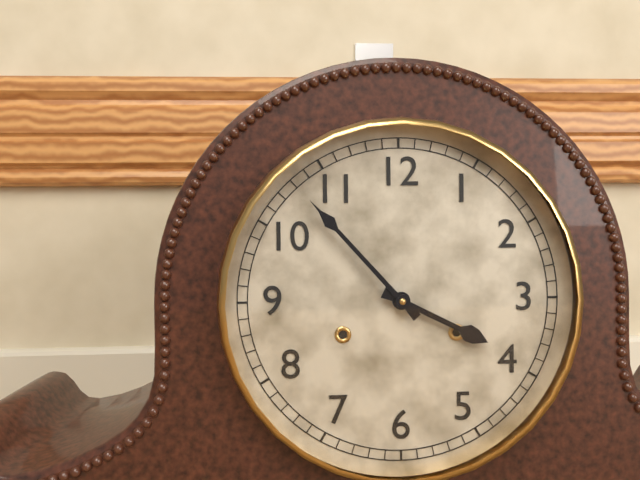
3:53
